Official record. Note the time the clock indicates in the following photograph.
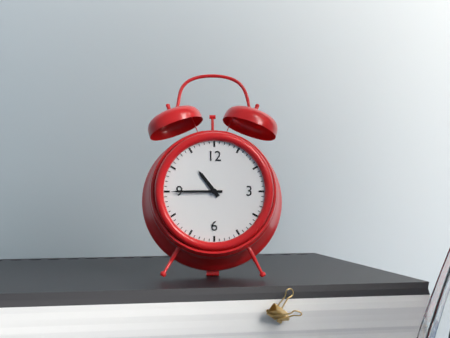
10:45
